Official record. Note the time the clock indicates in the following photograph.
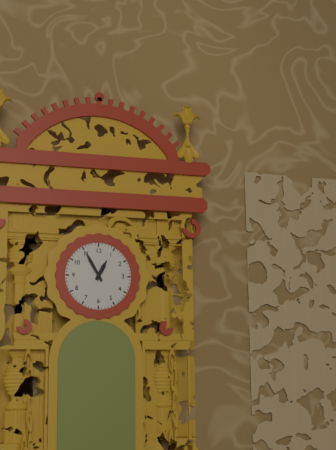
12:55
